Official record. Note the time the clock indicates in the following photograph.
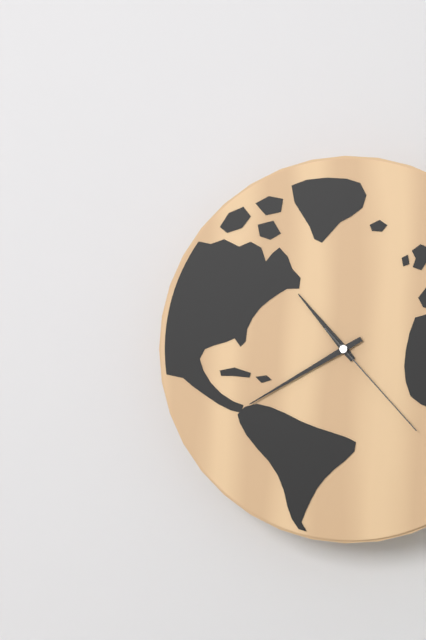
10:40:23
